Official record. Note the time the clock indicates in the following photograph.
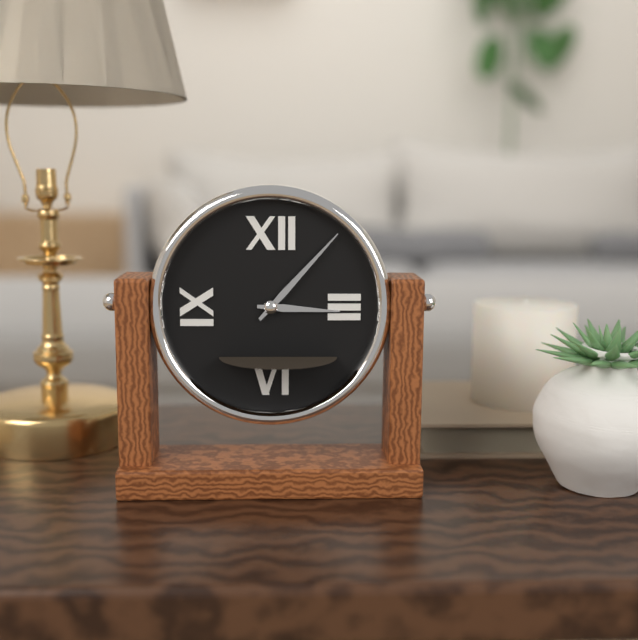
3:07
